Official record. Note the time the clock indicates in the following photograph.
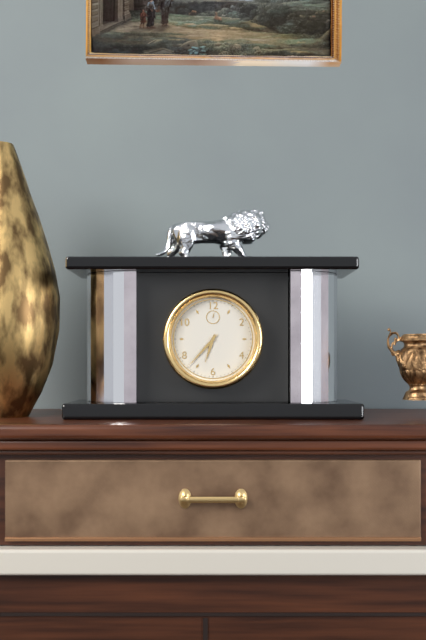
6:37
